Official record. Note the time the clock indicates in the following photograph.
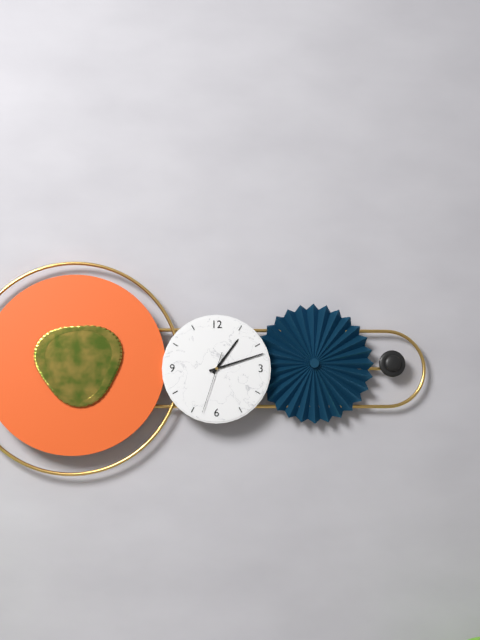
1:12:33
